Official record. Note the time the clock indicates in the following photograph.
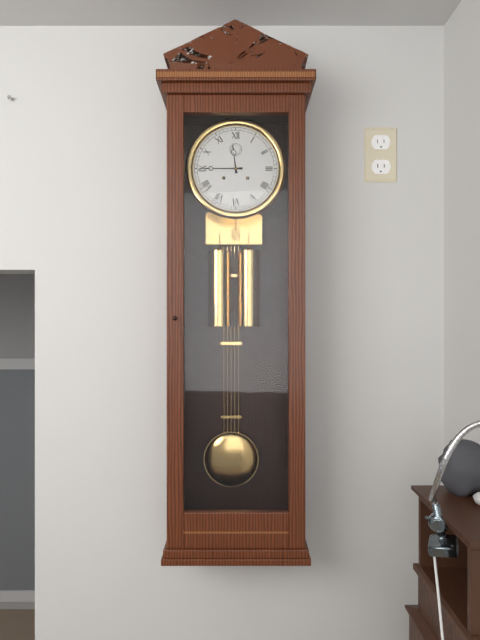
11:45
